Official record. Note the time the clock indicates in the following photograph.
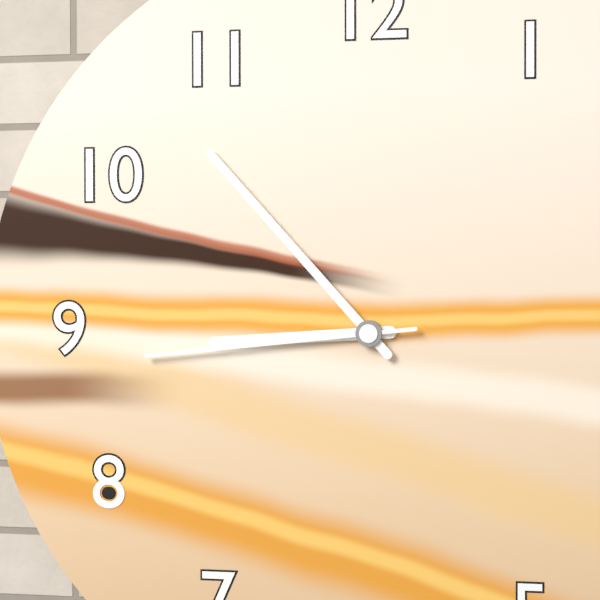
8:53:44
